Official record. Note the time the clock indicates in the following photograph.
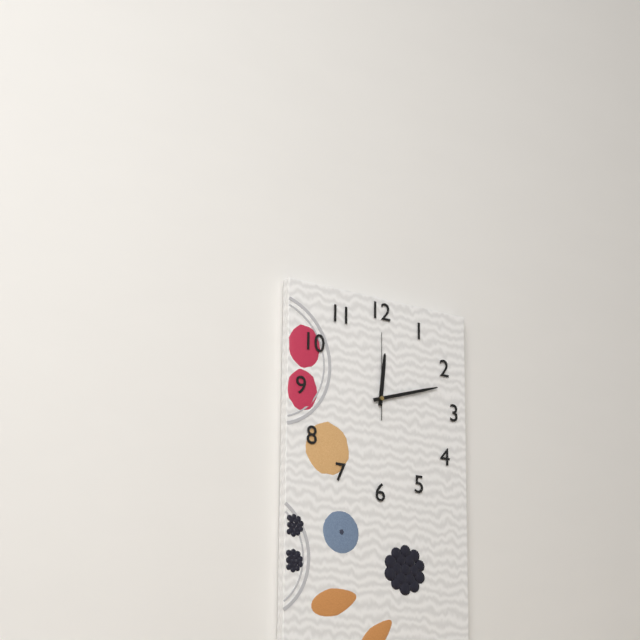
12:12:00
